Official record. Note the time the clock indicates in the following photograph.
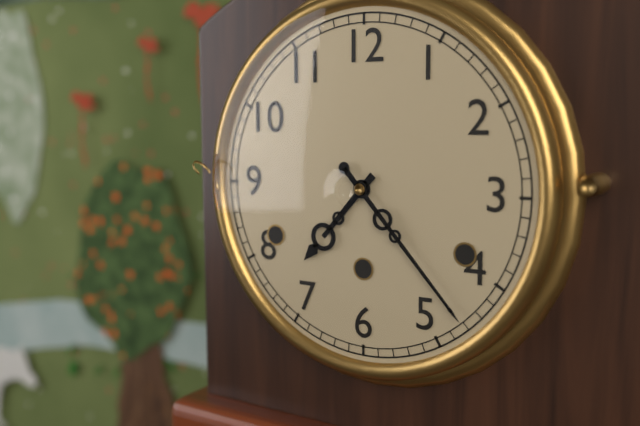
7:23
